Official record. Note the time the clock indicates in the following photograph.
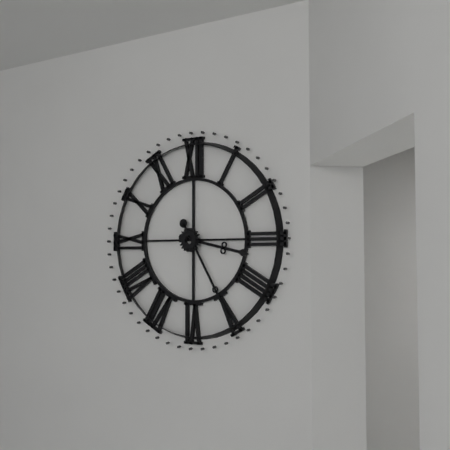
3:25
